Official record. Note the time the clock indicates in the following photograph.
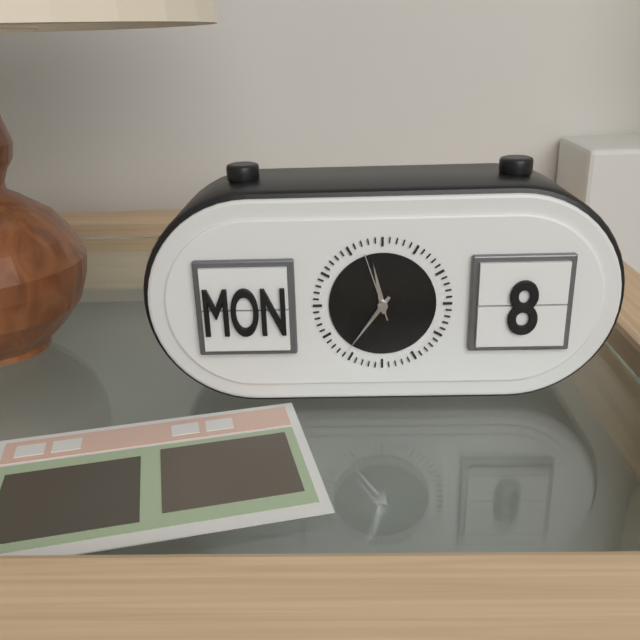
11:36:57
